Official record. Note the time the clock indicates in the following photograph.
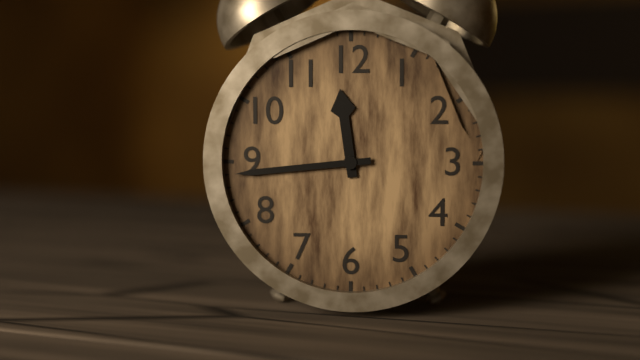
11:44
